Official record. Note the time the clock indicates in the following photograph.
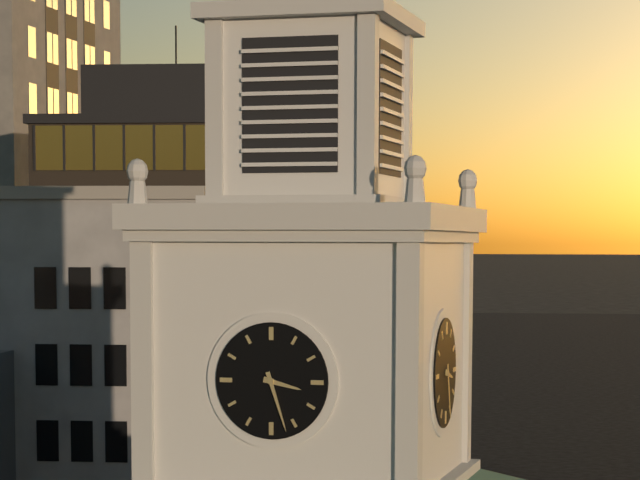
3:27
